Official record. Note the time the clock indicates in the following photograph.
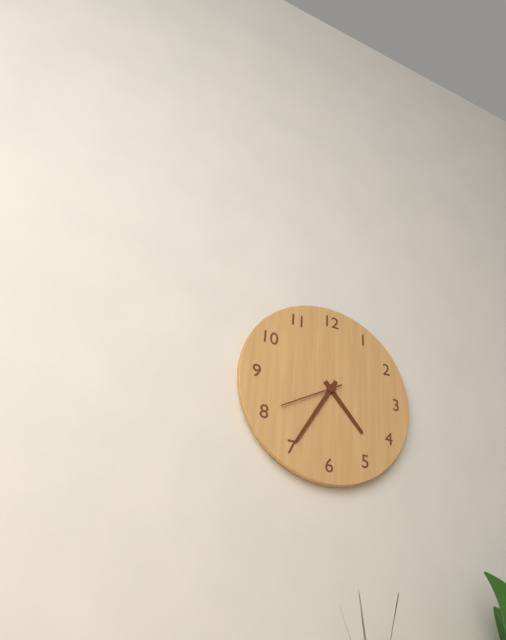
4:35:40
